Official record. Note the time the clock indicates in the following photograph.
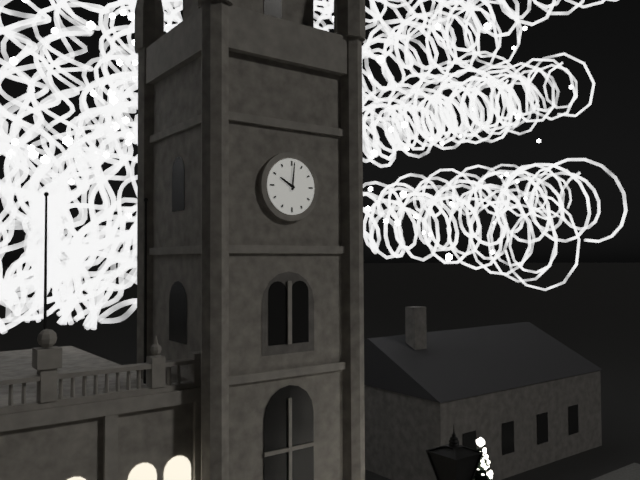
10:01
